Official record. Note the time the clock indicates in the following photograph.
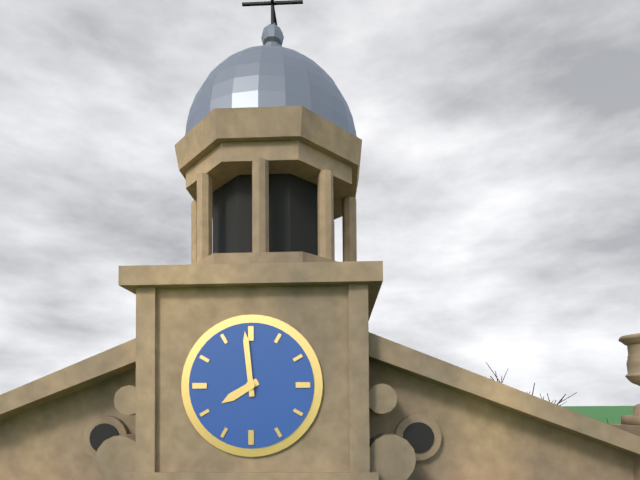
7:59
